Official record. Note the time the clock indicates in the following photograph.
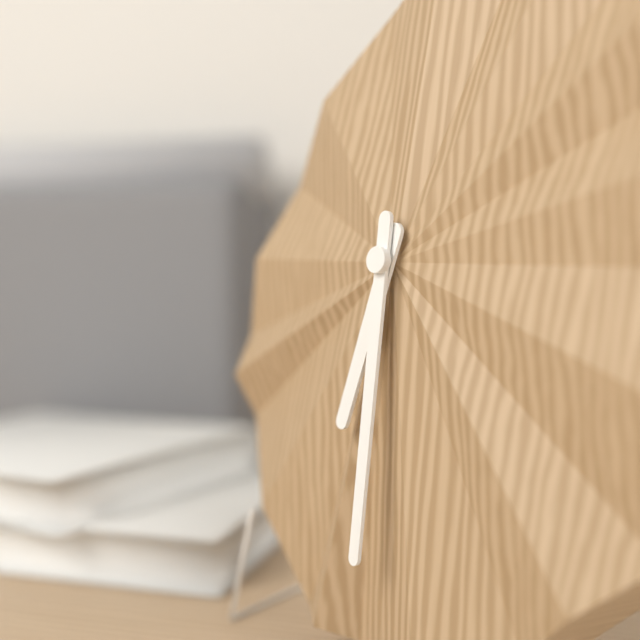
6:30
